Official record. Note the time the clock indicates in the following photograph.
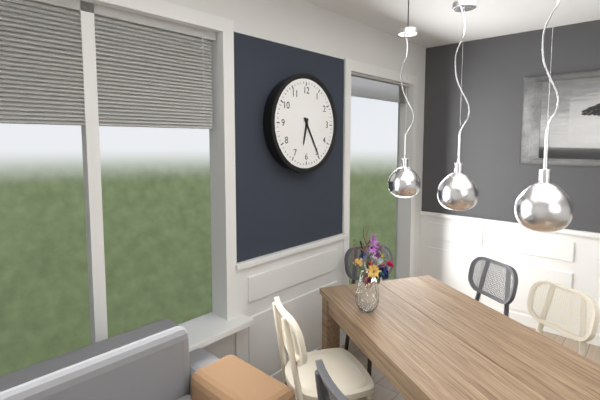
6:25
